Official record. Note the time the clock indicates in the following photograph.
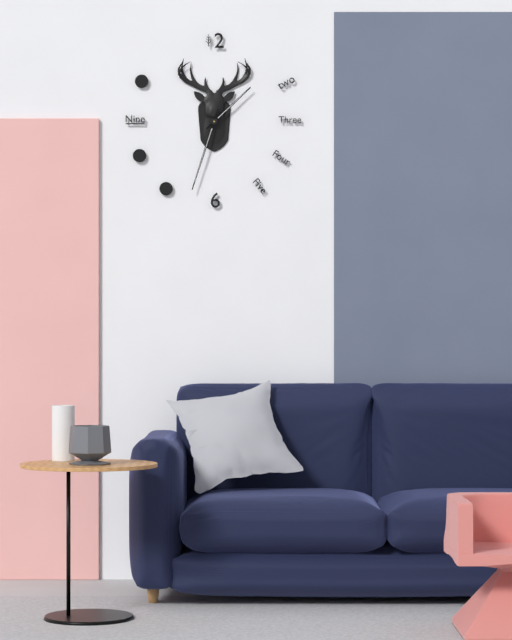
1:33
